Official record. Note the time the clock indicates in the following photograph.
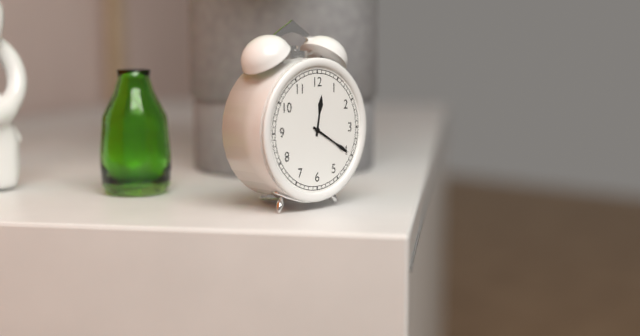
12:20
